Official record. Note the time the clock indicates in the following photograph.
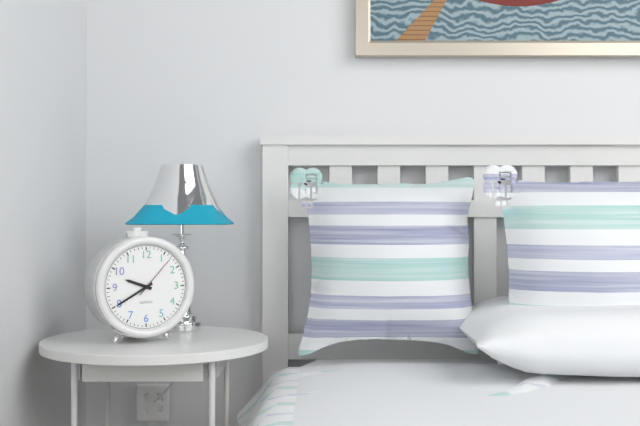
9:40
